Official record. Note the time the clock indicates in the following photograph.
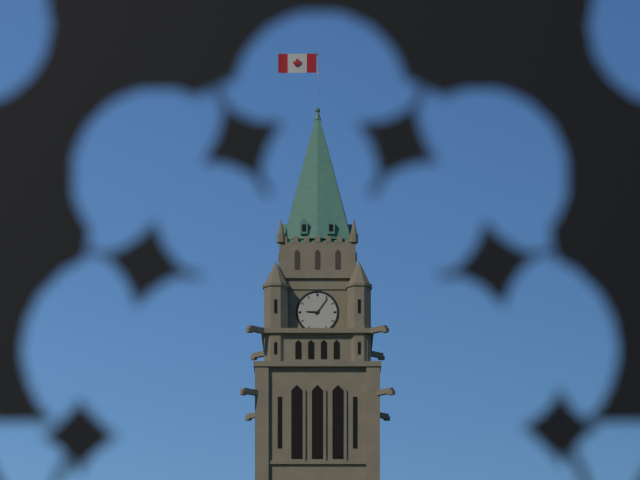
9:06
